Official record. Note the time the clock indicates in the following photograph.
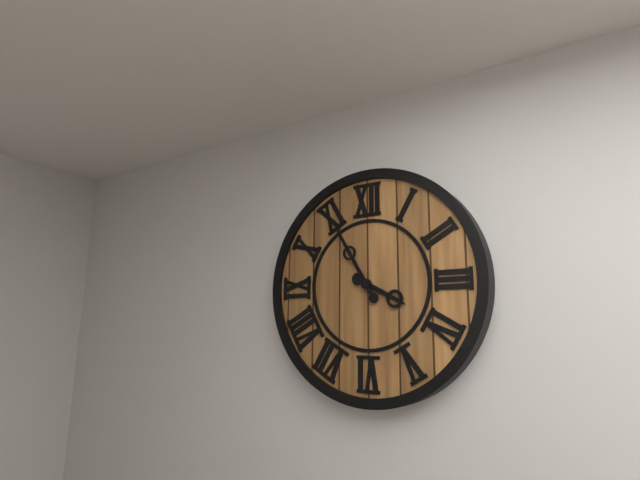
3:55
